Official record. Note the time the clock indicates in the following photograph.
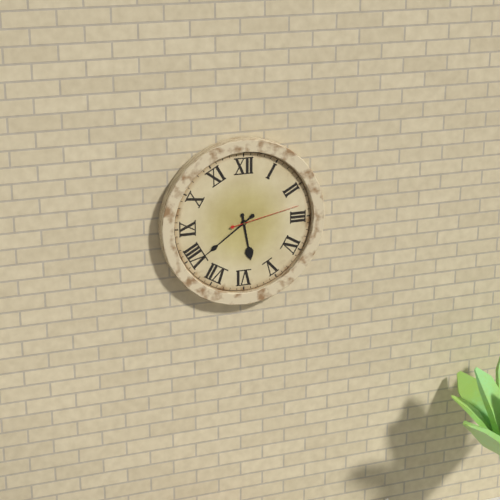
5:39:13
